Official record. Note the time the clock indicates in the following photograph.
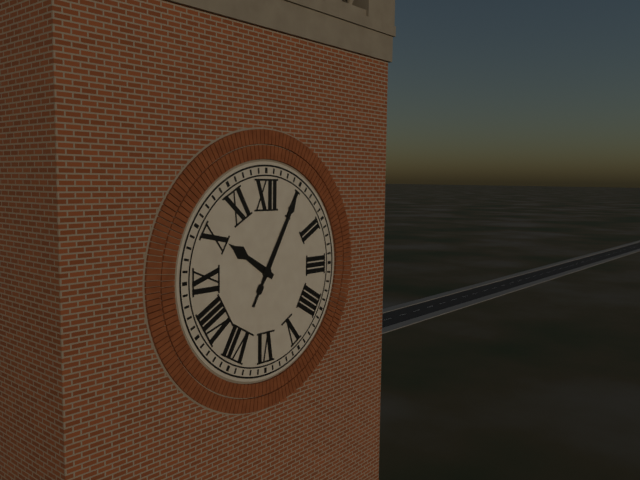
10:05
